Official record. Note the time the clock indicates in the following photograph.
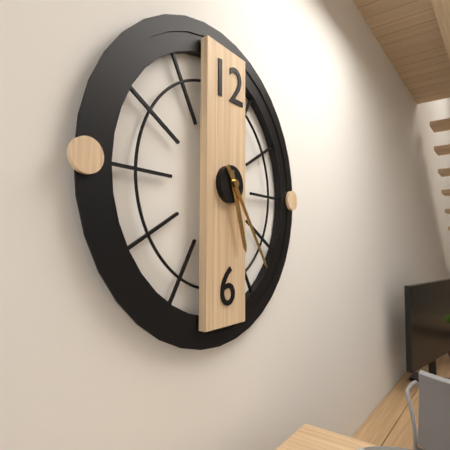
5:24
